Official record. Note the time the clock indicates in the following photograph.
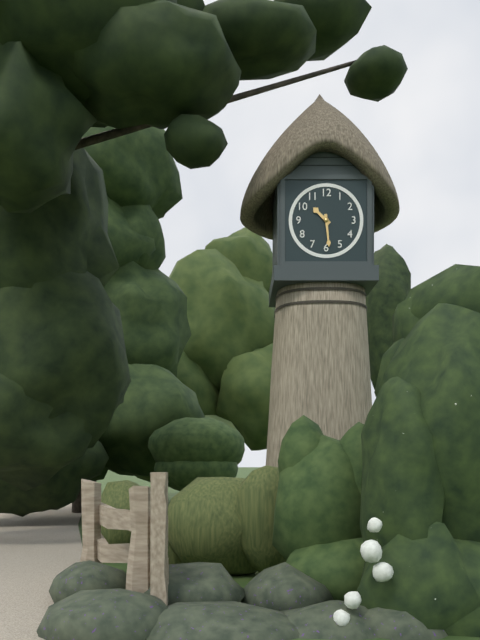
10:29
